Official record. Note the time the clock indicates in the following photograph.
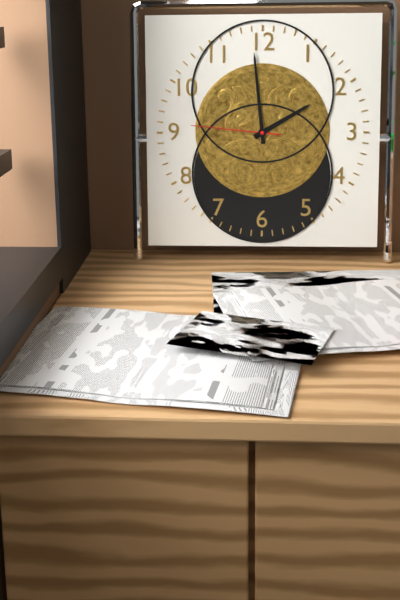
1:59:46
